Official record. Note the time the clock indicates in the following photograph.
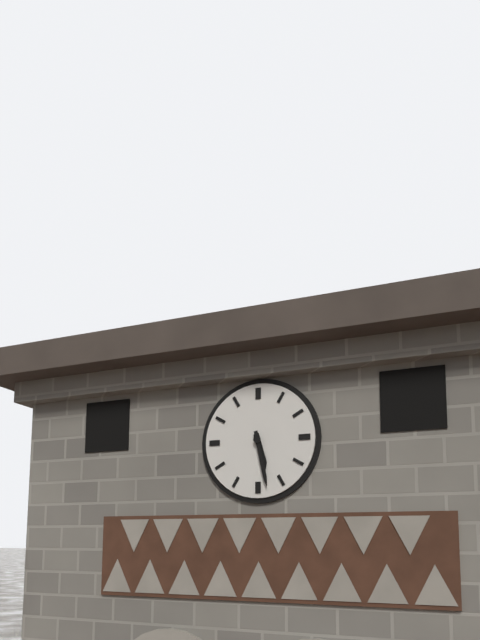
5:28
